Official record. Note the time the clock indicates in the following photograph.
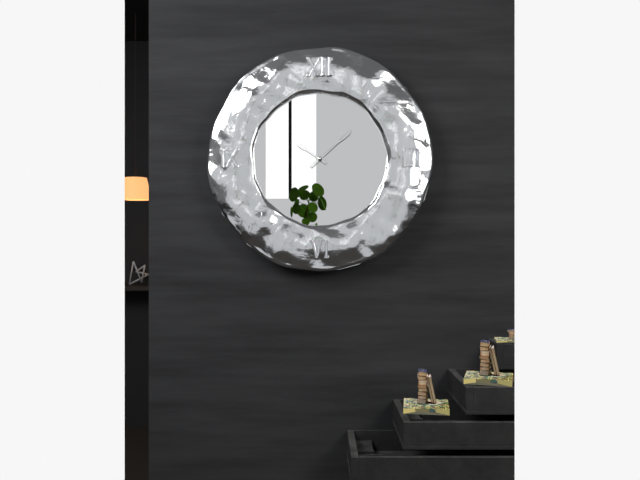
10:08
